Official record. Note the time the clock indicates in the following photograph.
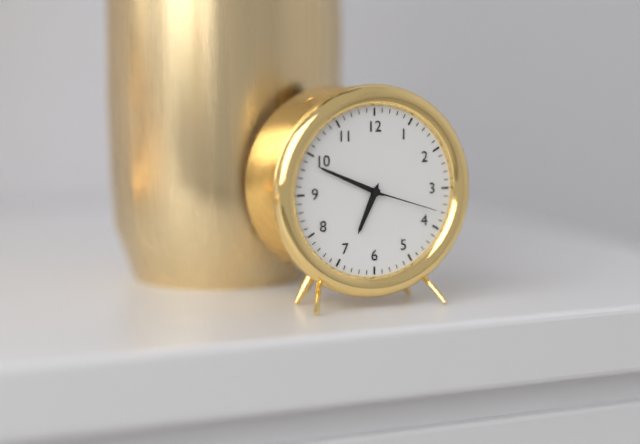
6:49:18
